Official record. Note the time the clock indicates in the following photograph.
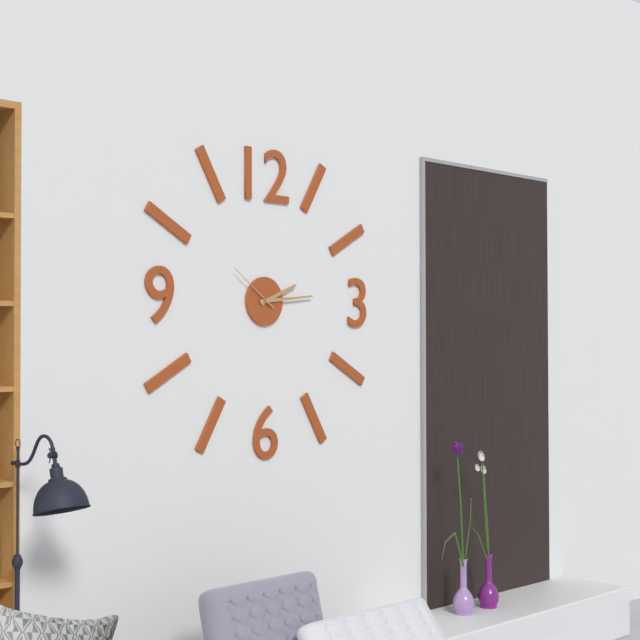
2:14:51
